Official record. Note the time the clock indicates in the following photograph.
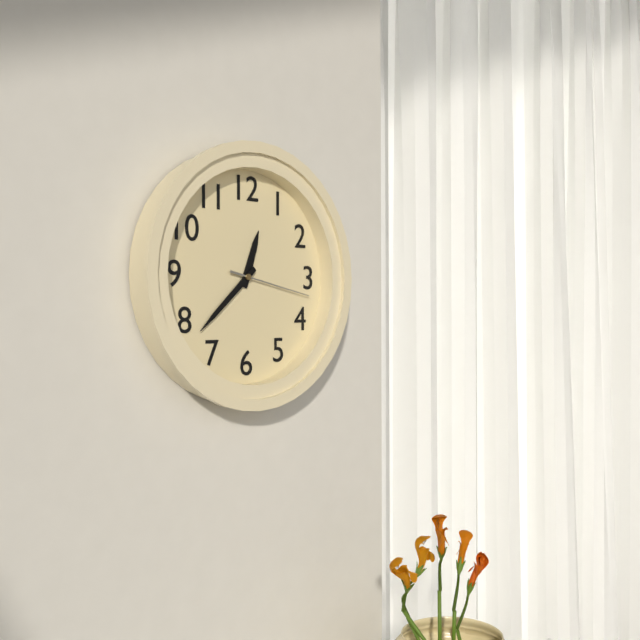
12:38:17
